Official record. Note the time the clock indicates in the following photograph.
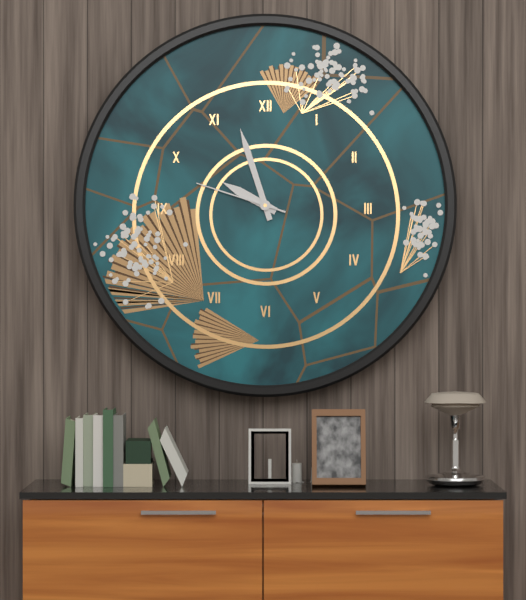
9:57:48
